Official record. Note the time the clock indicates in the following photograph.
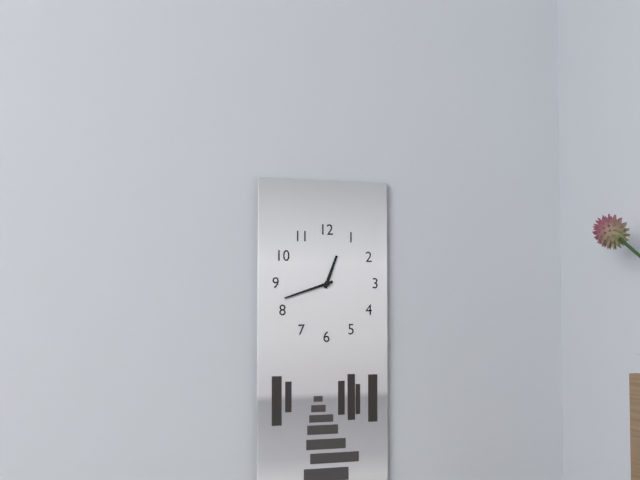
12:42
